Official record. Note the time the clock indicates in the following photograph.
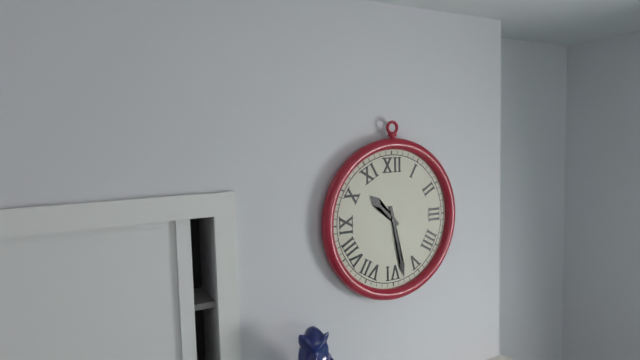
10:28
